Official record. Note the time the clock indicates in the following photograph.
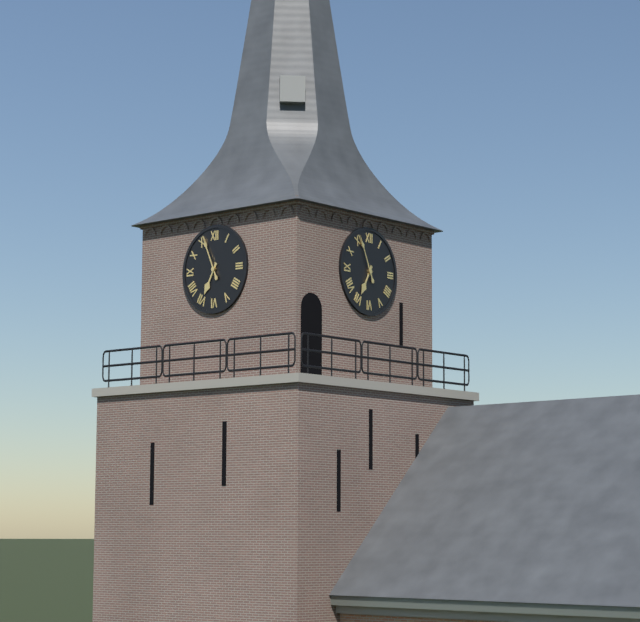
6:56
